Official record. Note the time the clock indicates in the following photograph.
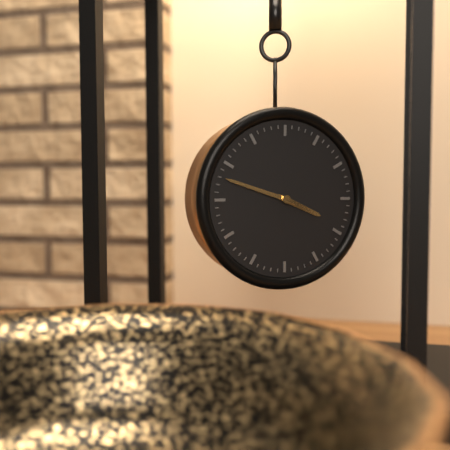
3:48
